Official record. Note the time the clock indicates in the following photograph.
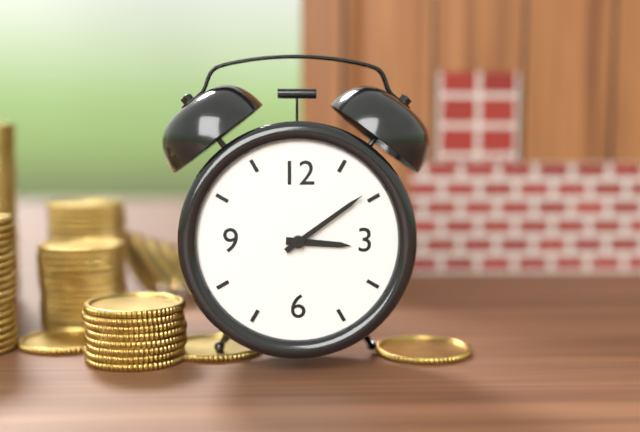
3:09
